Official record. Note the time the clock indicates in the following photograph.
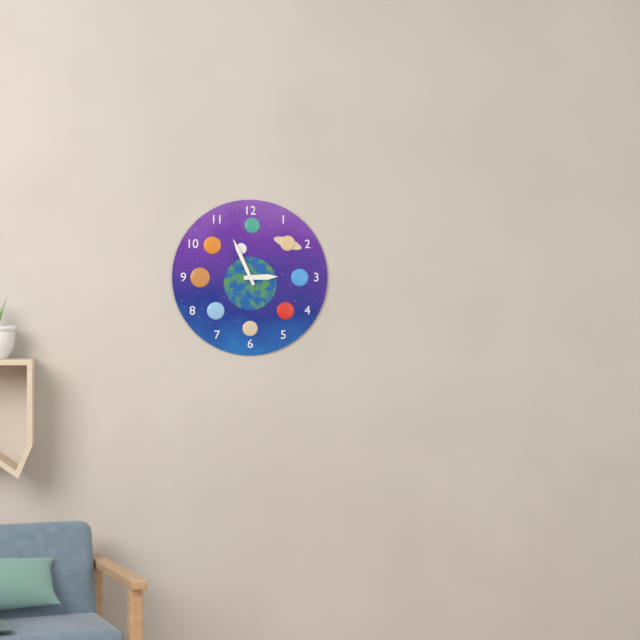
2:56
